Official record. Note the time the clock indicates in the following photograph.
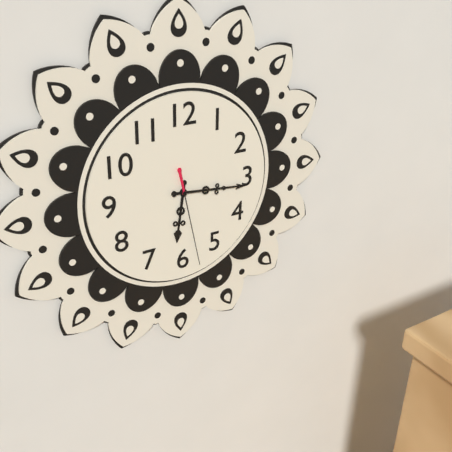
6:16:28
